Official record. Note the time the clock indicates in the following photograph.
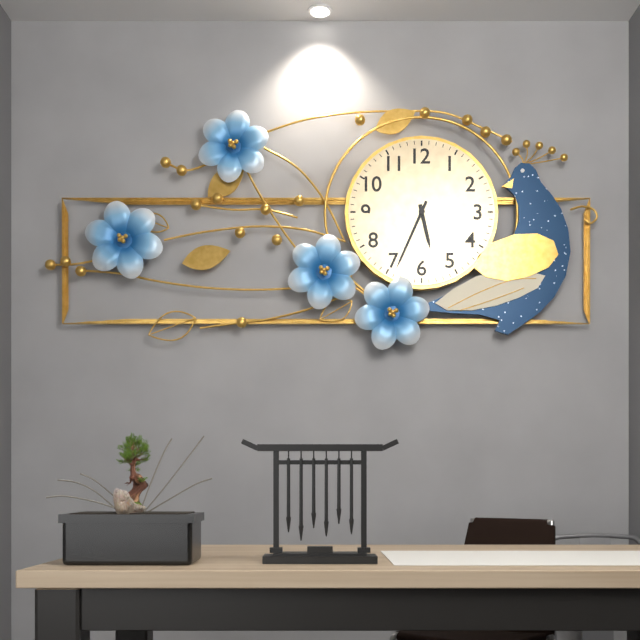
5:34
